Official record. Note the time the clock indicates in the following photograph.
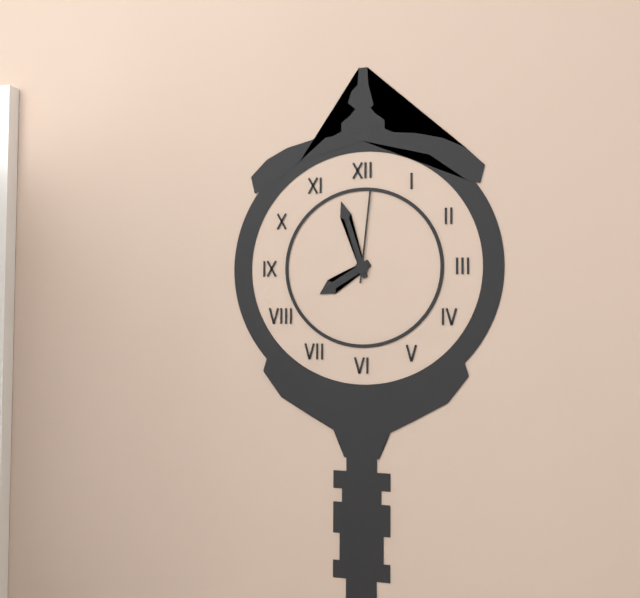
7:57:01
